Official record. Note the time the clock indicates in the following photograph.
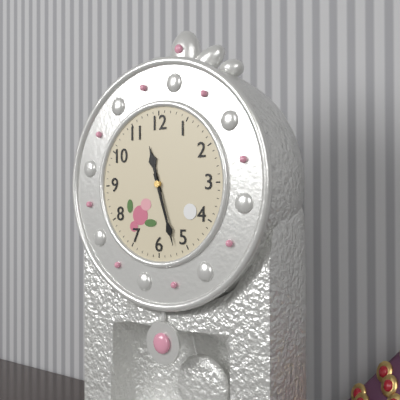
11:27
